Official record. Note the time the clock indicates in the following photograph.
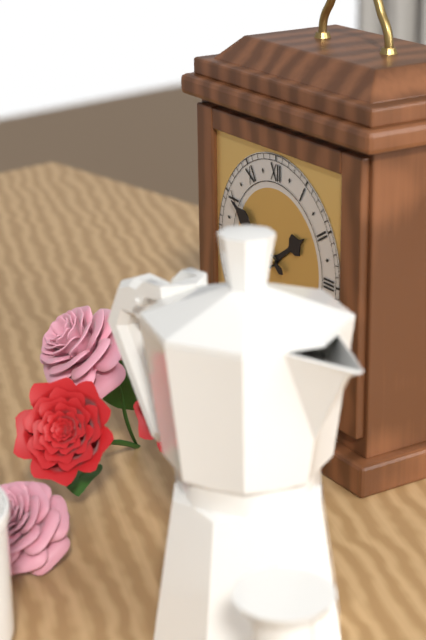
1:50
